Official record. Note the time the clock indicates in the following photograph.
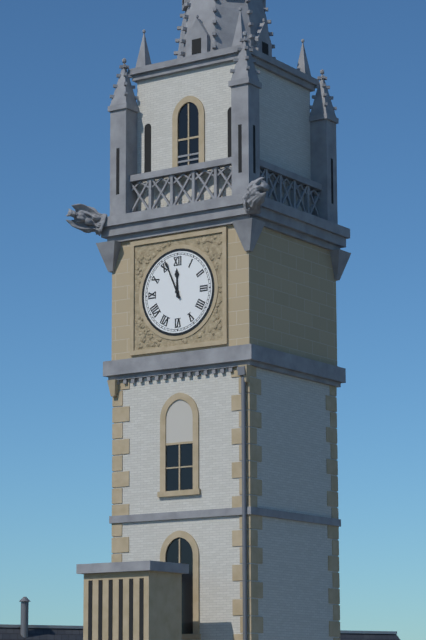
11:56
